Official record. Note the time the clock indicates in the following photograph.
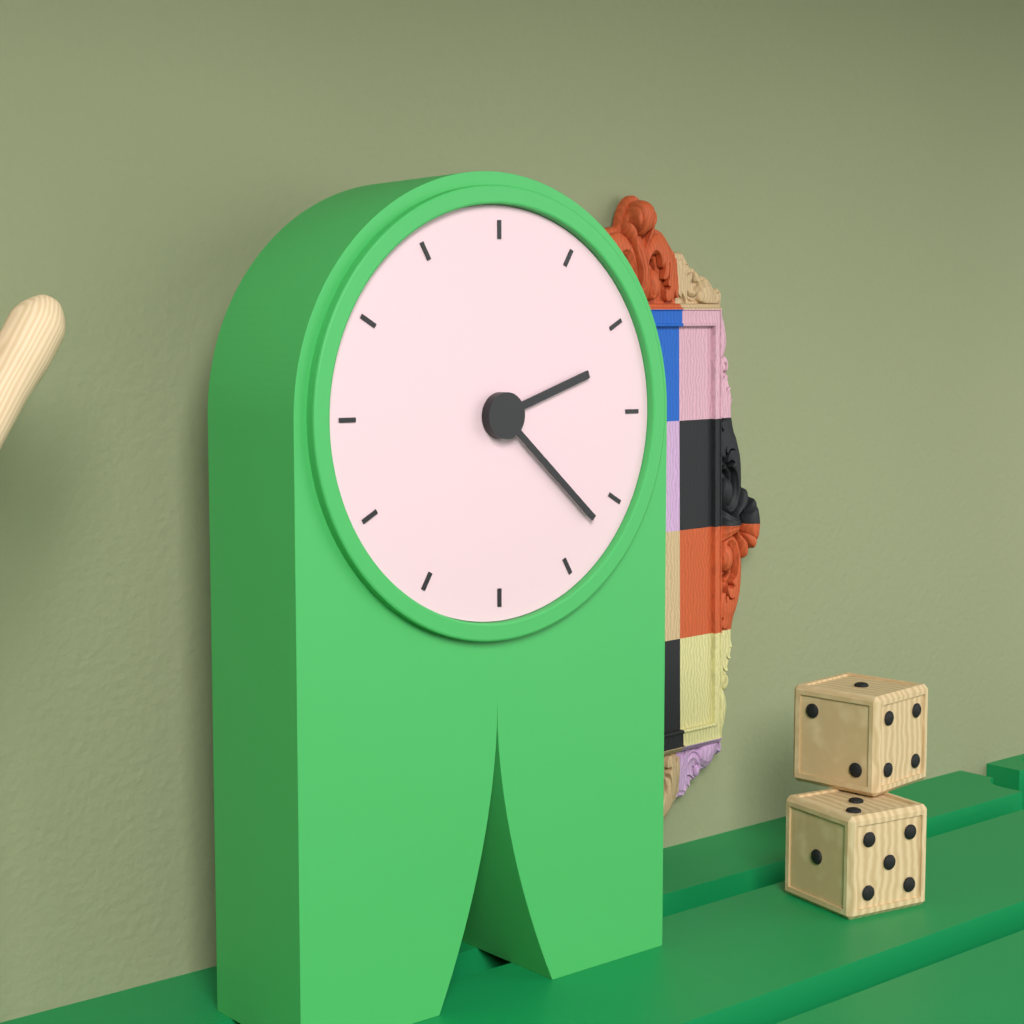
2:22
